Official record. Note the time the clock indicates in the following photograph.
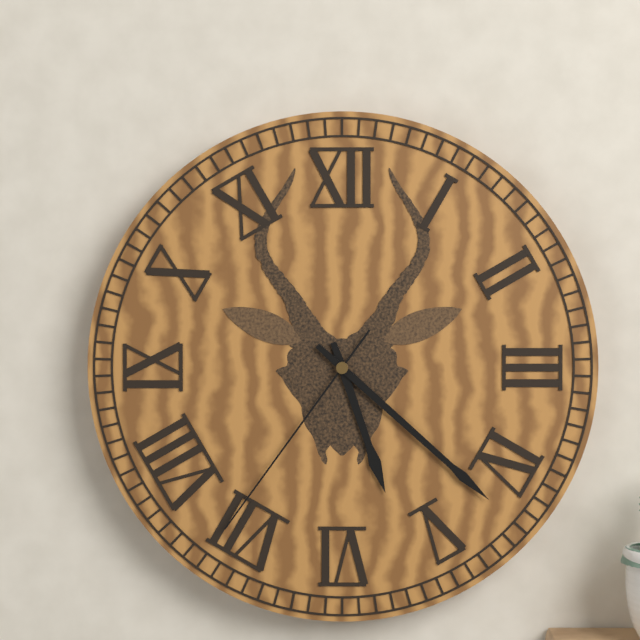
5:22:36
